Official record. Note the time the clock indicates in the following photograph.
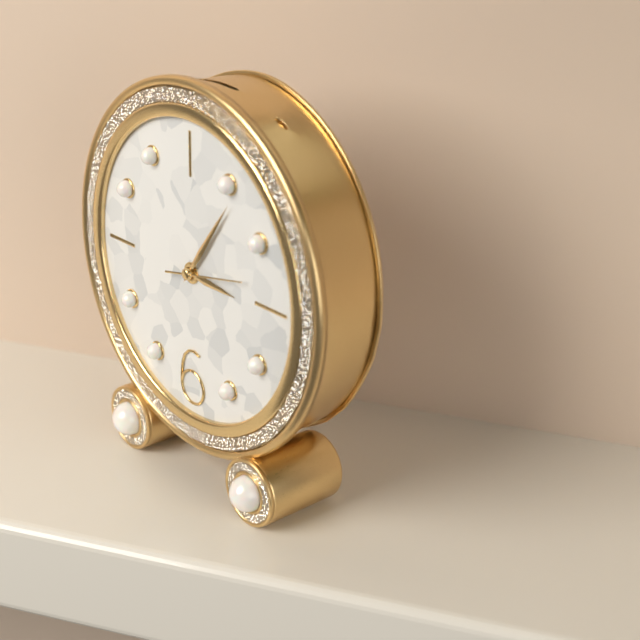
3:06
